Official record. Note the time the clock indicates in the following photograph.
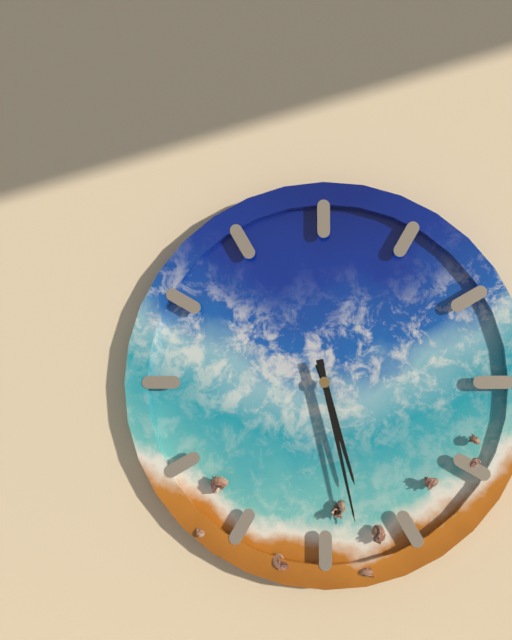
5:28
